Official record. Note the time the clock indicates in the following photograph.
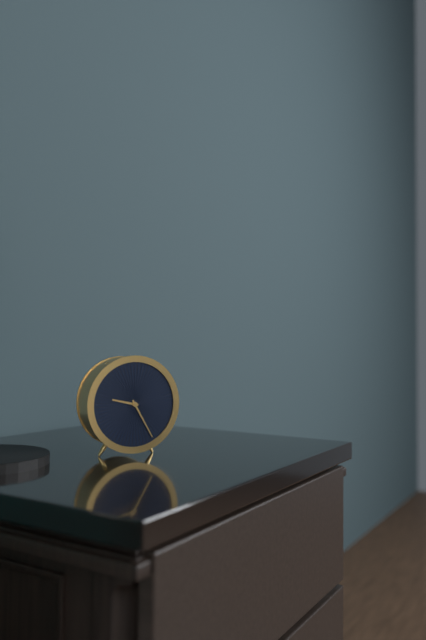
9:25
